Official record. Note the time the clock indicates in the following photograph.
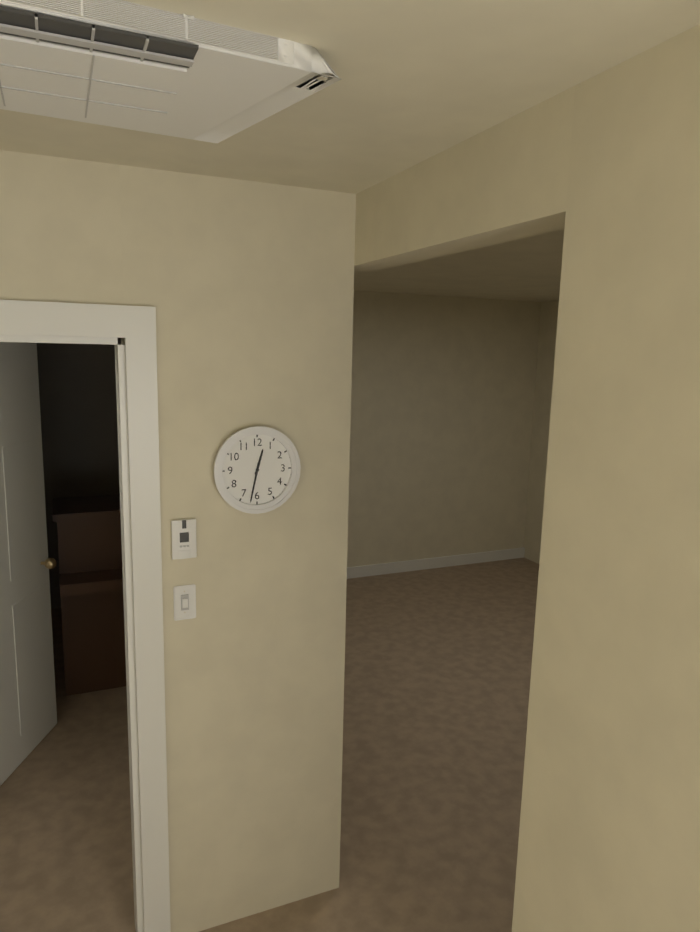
12:32
